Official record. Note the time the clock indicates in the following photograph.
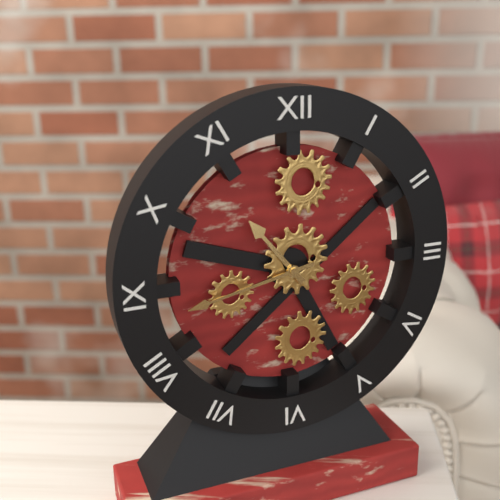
10:43
